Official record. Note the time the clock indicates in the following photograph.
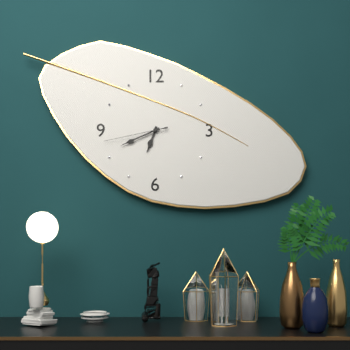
6:41:43
